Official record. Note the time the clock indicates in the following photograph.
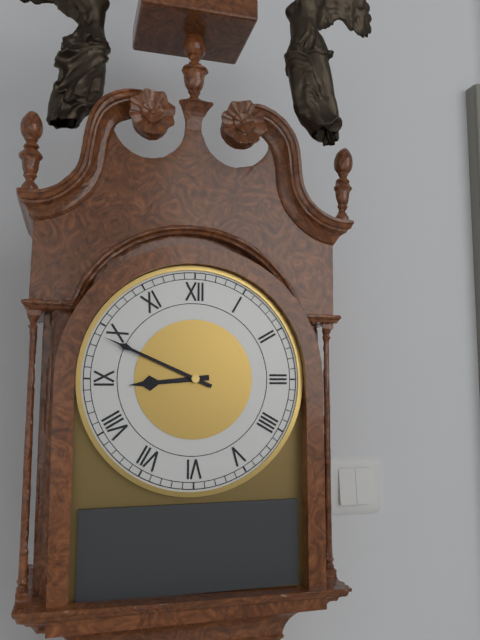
8:49
